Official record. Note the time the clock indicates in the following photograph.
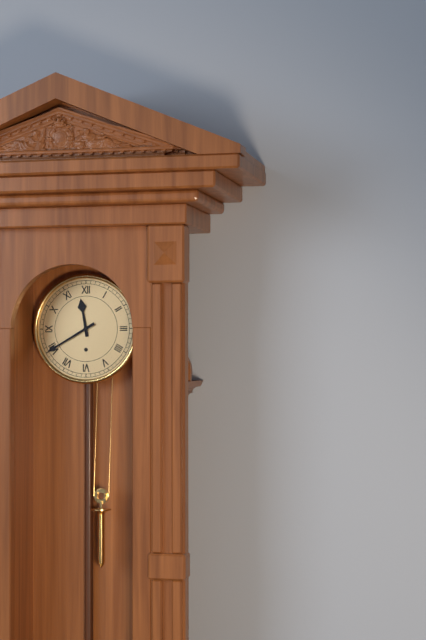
11:40
